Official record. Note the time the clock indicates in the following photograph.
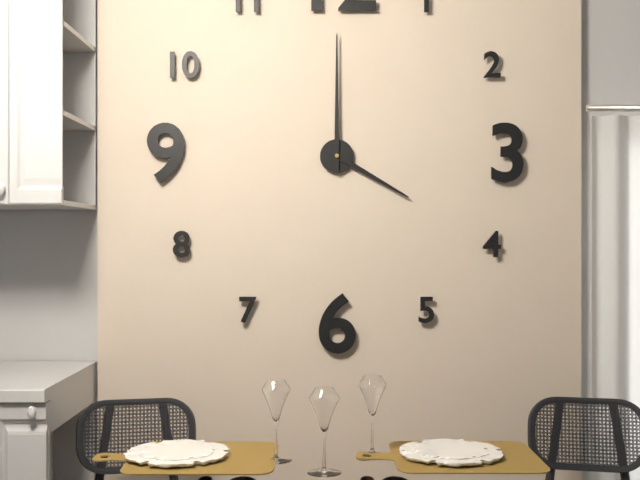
4:00
